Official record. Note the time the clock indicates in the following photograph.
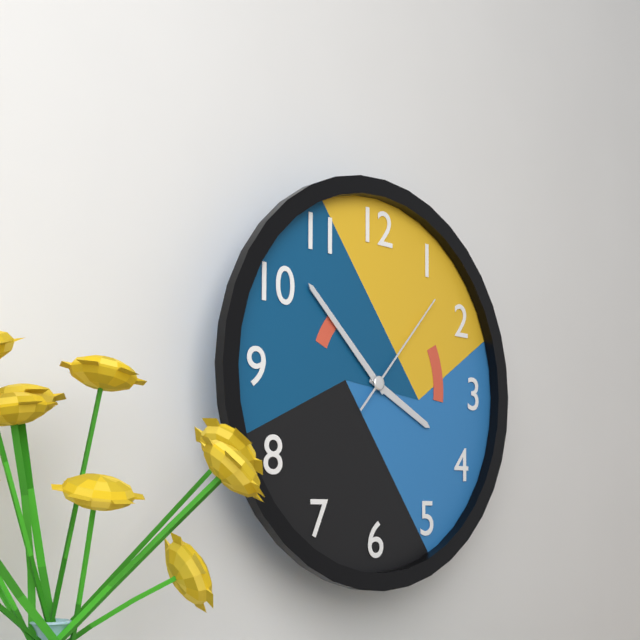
3:52:07
